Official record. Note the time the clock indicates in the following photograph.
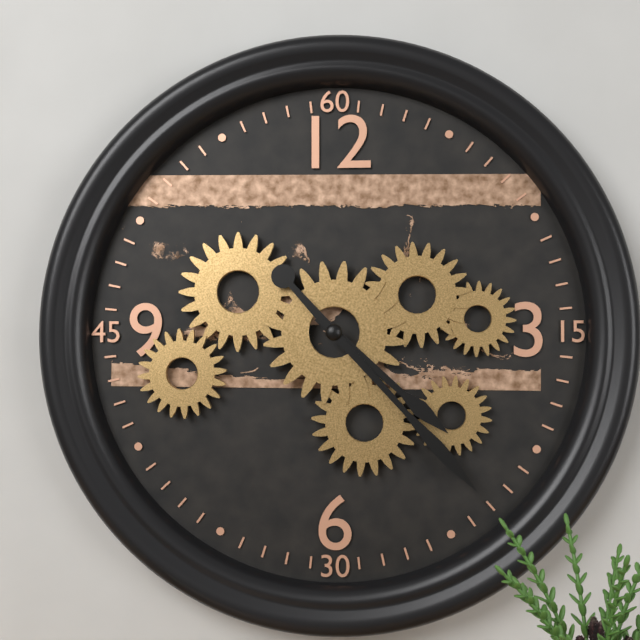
4:23
